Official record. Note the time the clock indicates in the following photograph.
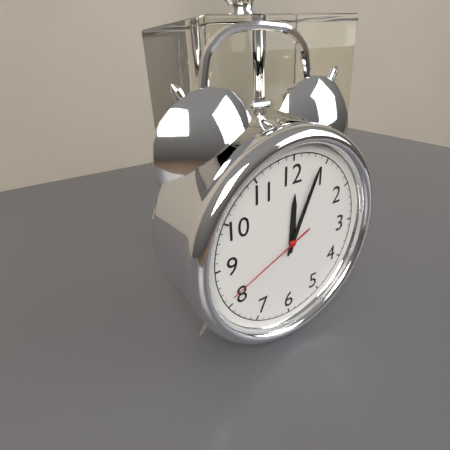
12:04:41
